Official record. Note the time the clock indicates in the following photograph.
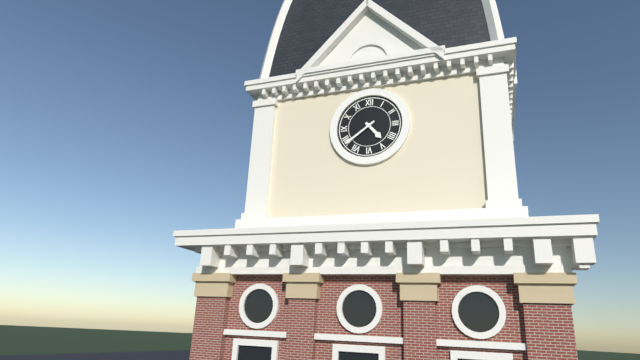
4:39
